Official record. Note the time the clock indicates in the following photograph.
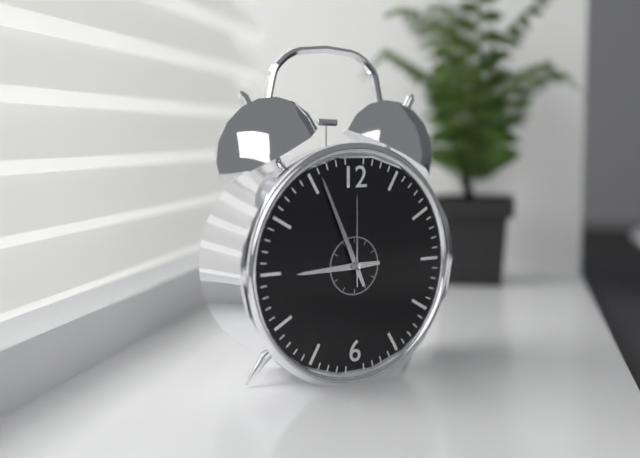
8:56:00
